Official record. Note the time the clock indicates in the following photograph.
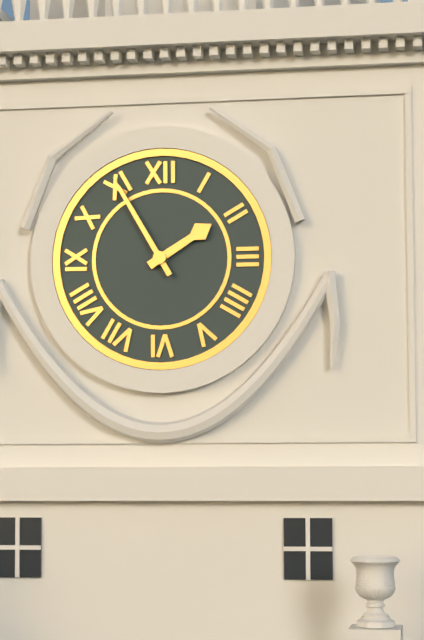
1:55
